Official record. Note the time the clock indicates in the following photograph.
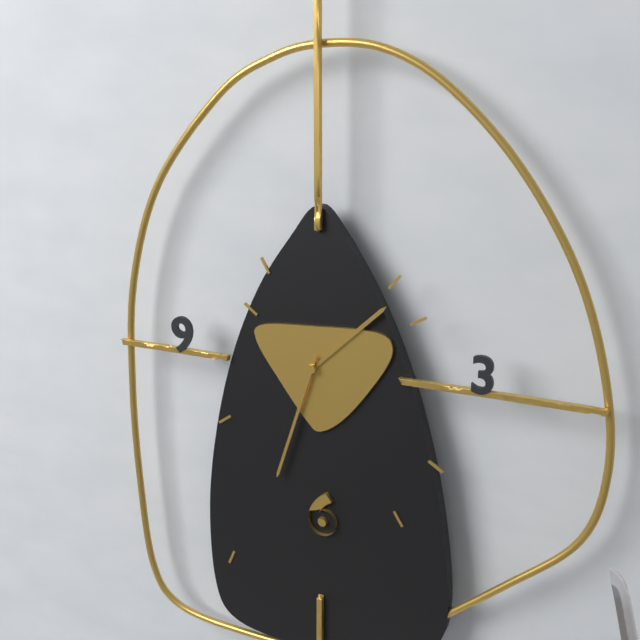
1:33
